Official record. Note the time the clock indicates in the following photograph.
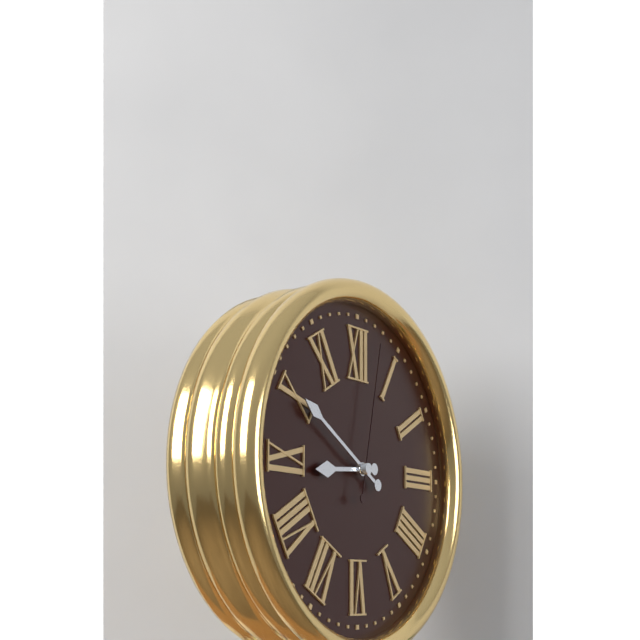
8:50:02
